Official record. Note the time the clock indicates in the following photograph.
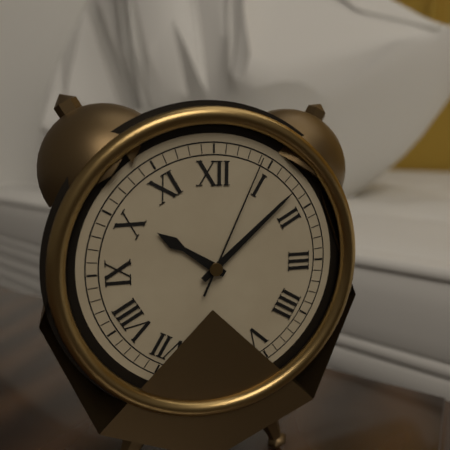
10:08:04
